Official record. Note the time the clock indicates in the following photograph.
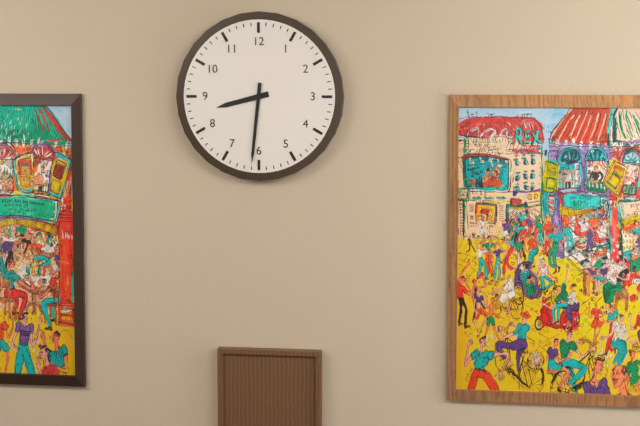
8:31
